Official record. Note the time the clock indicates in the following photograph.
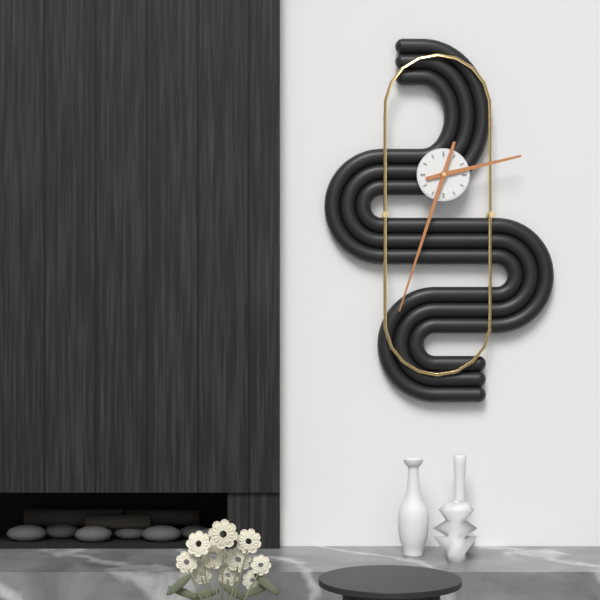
2:33
